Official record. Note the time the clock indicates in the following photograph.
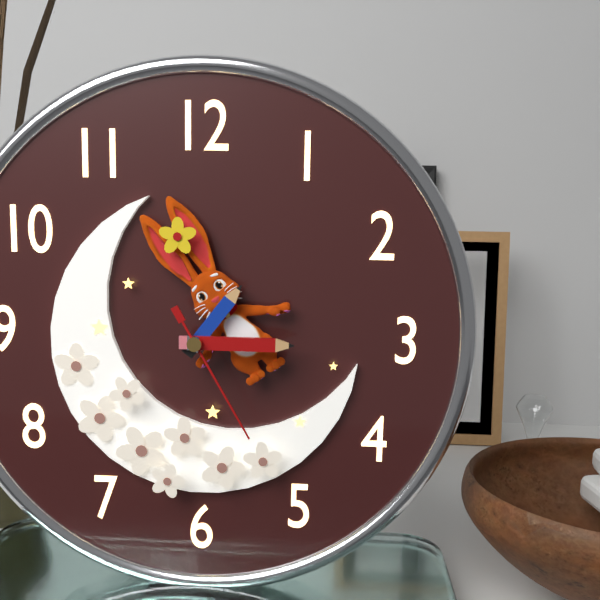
1:15:25
